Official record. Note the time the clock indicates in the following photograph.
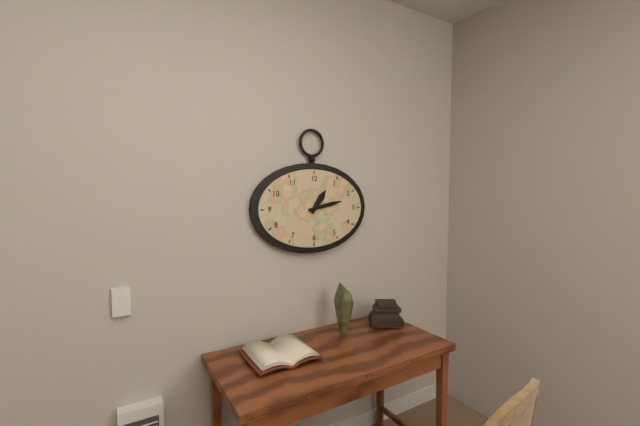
1:13
